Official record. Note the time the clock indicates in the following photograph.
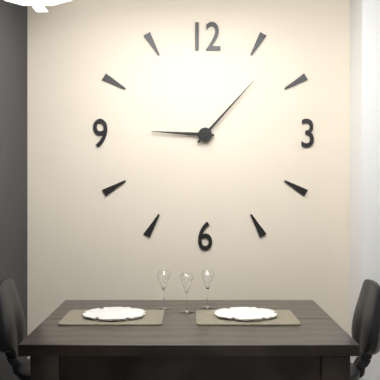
9:07
